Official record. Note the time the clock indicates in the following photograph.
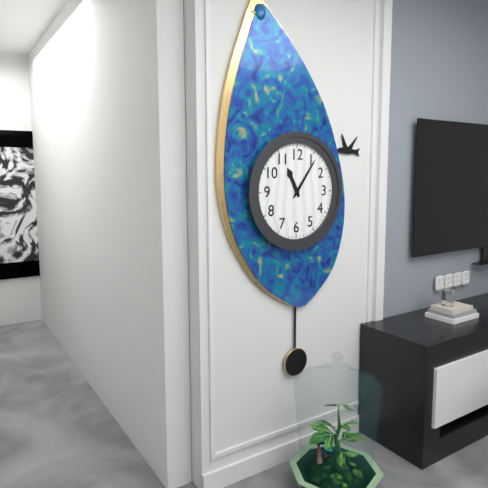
11:06
